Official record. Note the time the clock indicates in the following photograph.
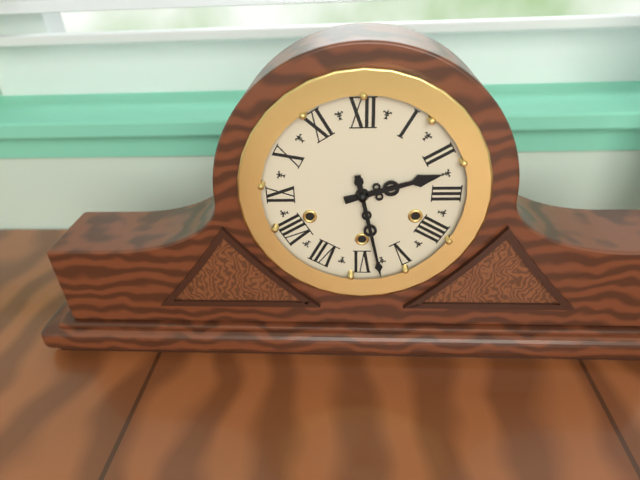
2:28
